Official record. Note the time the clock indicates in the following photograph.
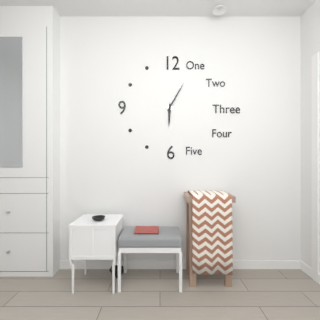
6:05
